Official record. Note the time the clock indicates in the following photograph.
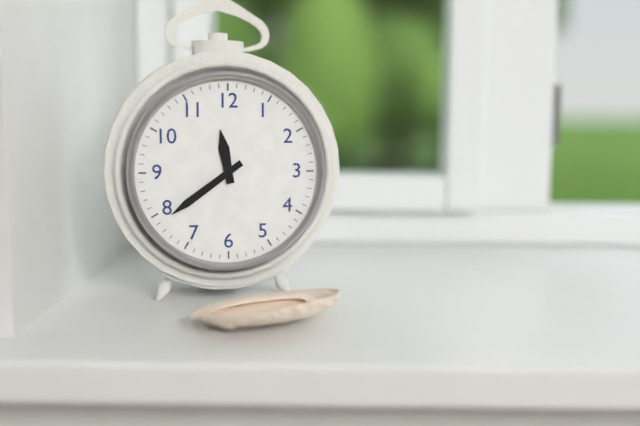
11:39
